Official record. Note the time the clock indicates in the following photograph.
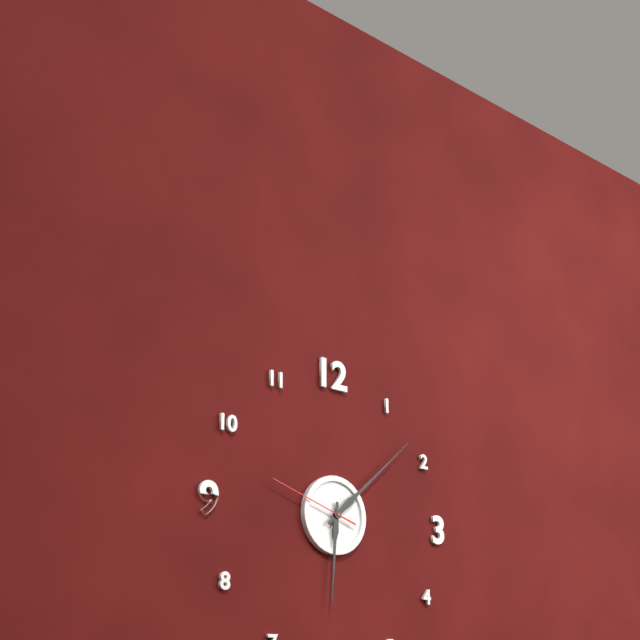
6:08:48
